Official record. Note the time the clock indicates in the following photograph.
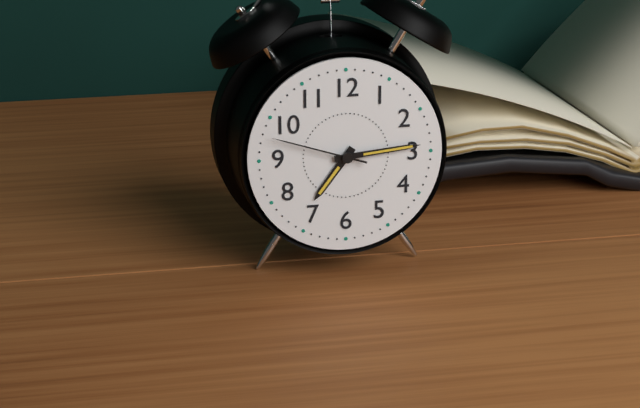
7:14:48
